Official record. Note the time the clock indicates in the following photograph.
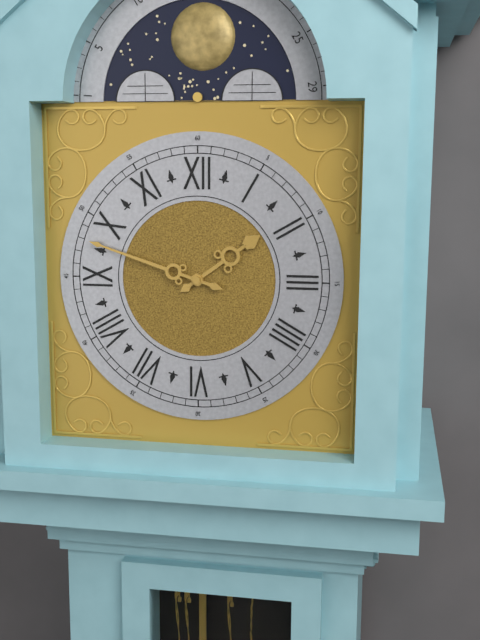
1:48
